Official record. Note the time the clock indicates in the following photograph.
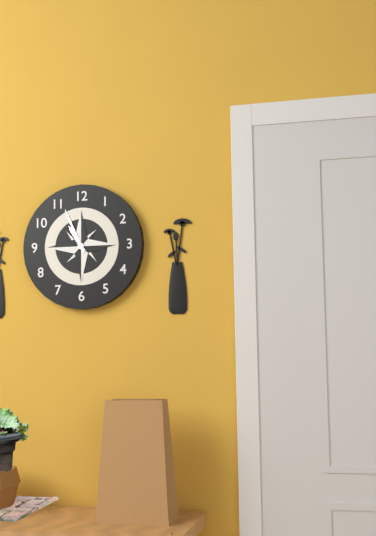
10:56
